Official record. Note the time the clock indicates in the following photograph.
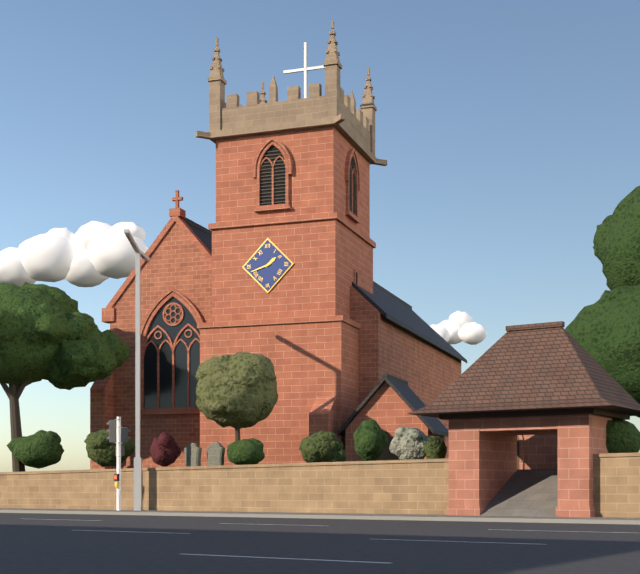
1:42
